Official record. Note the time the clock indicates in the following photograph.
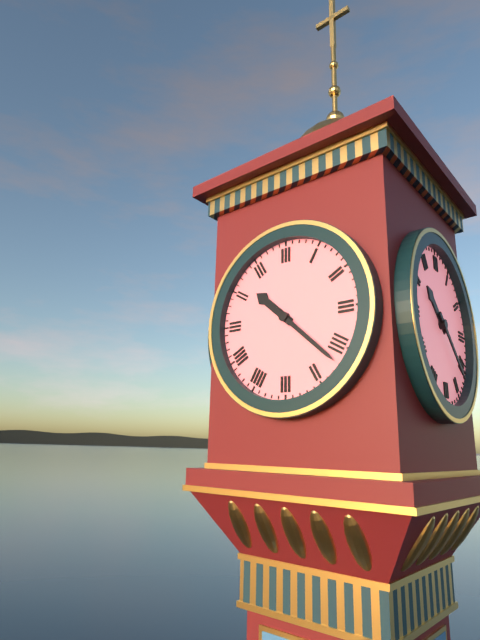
10:22
